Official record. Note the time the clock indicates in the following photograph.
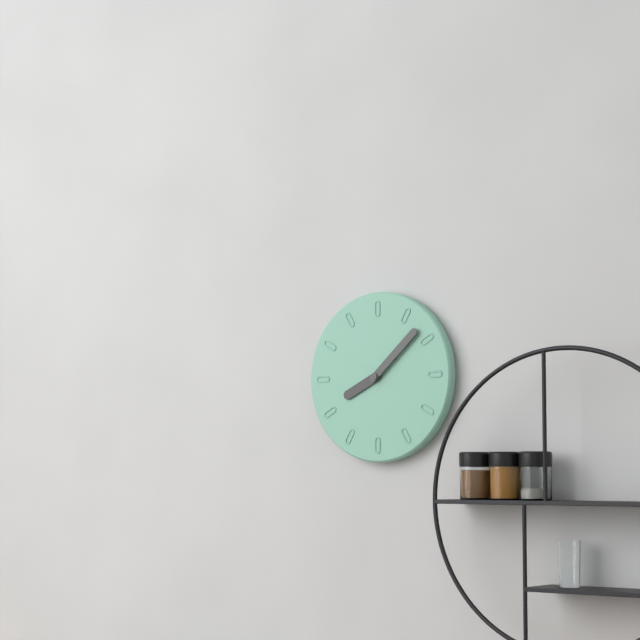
8:08
